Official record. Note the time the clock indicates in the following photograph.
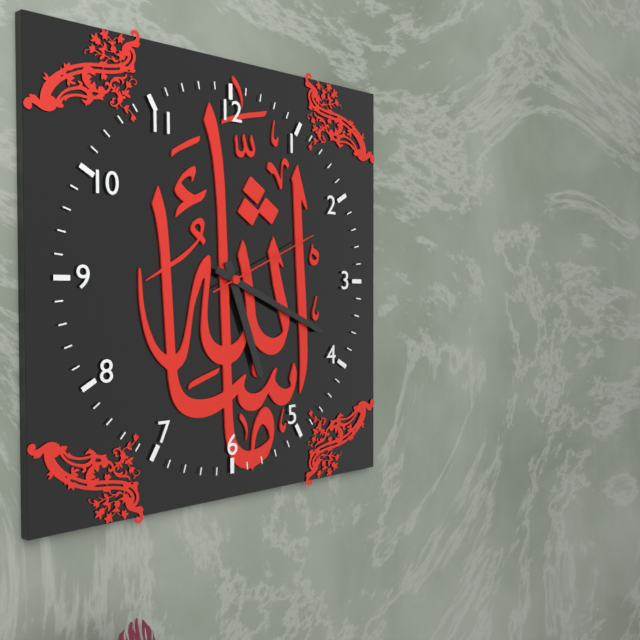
5:19:11
